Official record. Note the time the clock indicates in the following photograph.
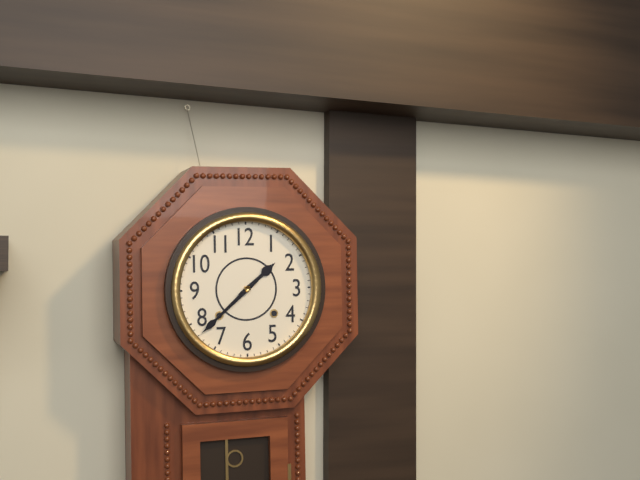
1:38
